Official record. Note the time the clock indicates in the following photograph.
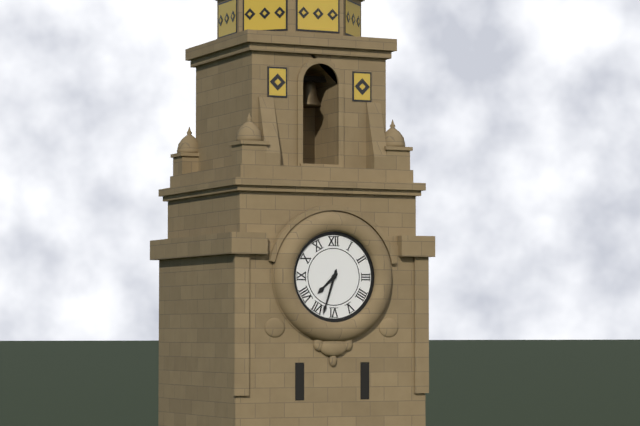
7:33
